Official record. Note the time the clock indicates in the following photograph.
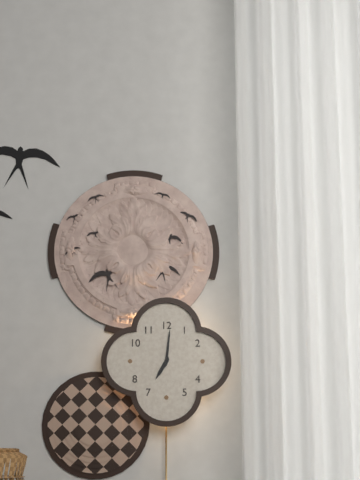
7:01
